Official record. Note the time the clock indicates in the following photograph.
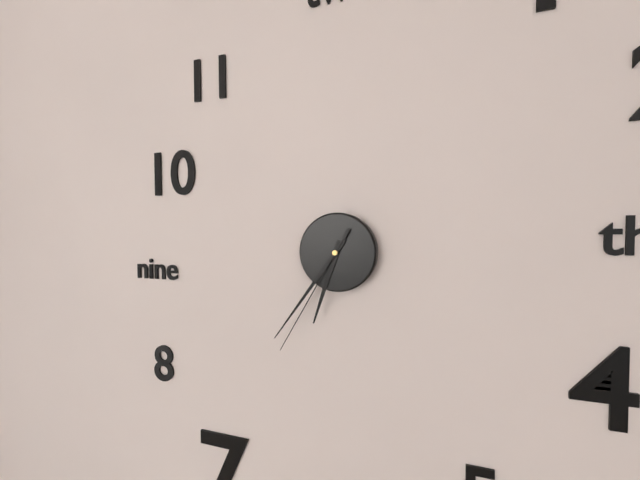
6:36:35
